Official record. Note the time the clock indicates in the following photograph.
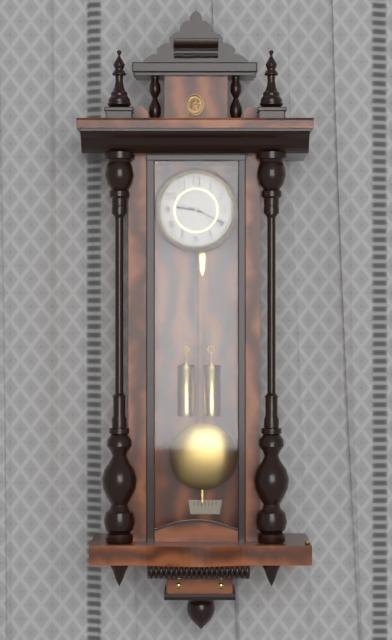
9:19
